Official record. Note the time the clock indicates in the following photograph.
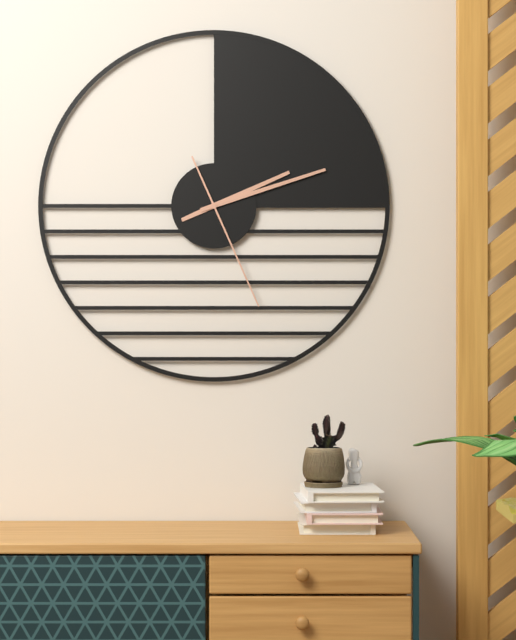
2:12:26
